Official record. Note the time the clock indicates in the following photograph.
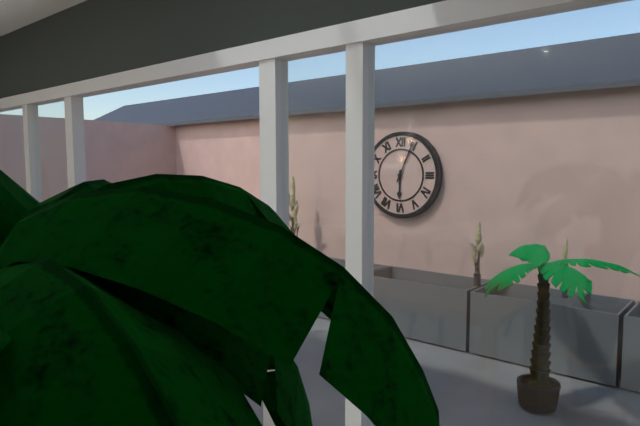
6:04
